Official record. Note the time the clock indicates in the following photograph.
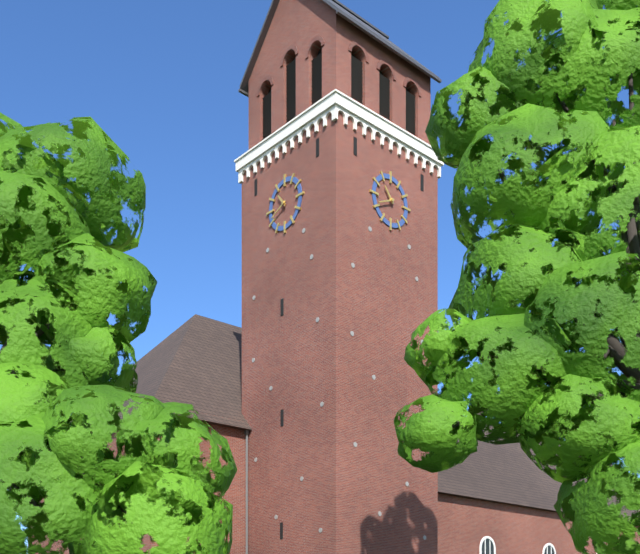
10:41
